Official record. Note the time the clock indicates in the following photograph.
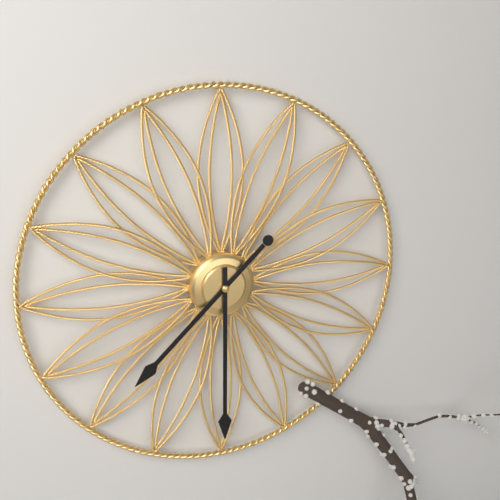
7:30
